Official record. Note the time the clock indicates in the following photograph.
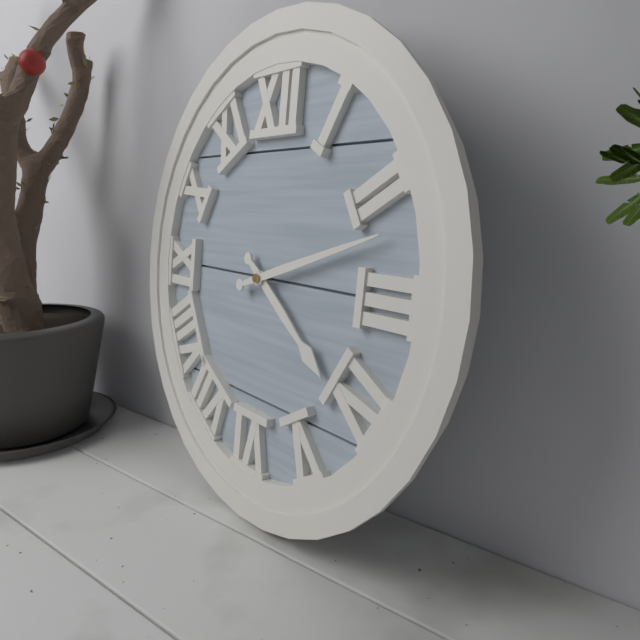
4:12
